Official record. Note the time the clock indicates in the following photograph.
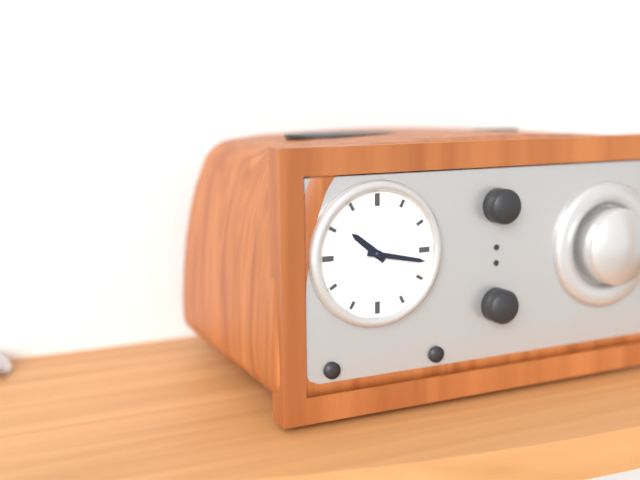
10:17
